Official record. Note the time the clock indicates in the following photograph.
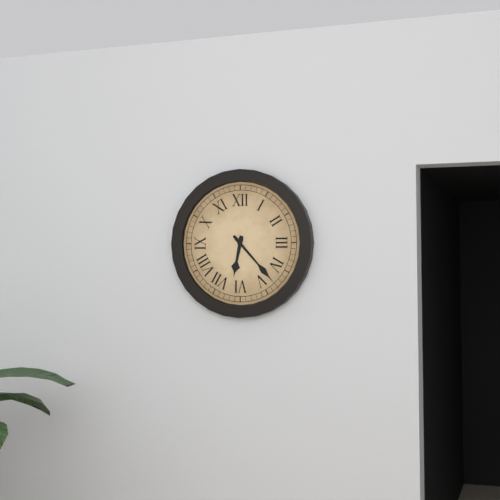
6:23
